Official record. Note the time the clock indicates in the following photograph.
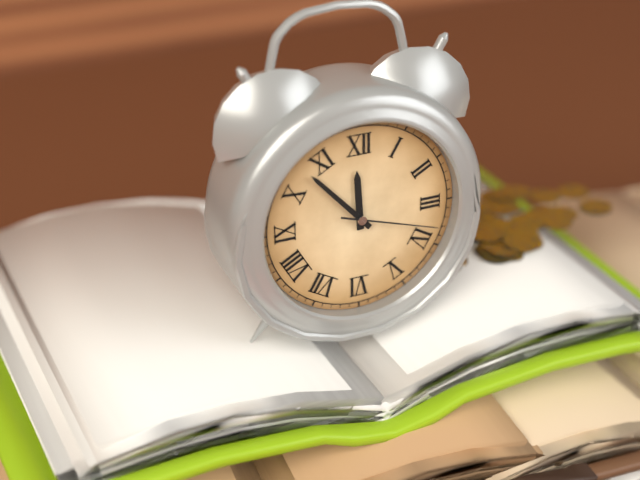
11:53:18
